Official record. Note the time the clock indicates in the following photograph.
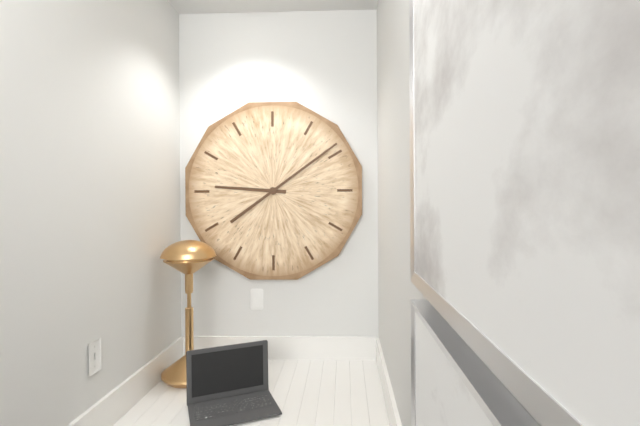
9:09
